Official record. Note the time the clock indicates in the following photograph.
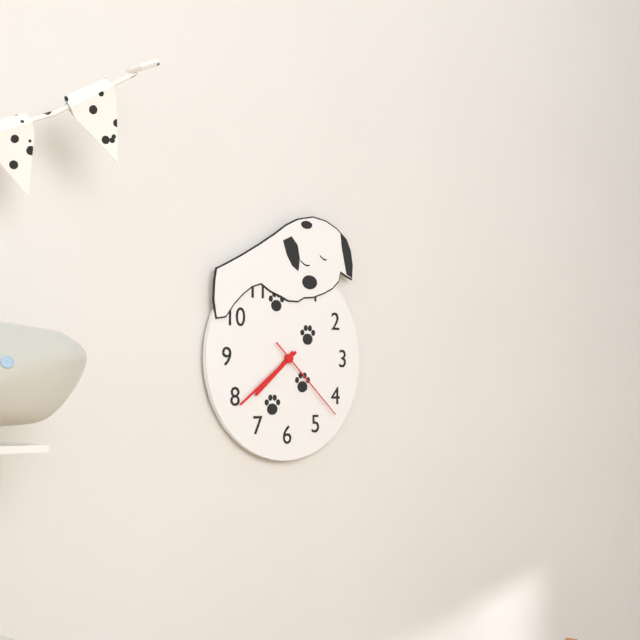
7:39:22
